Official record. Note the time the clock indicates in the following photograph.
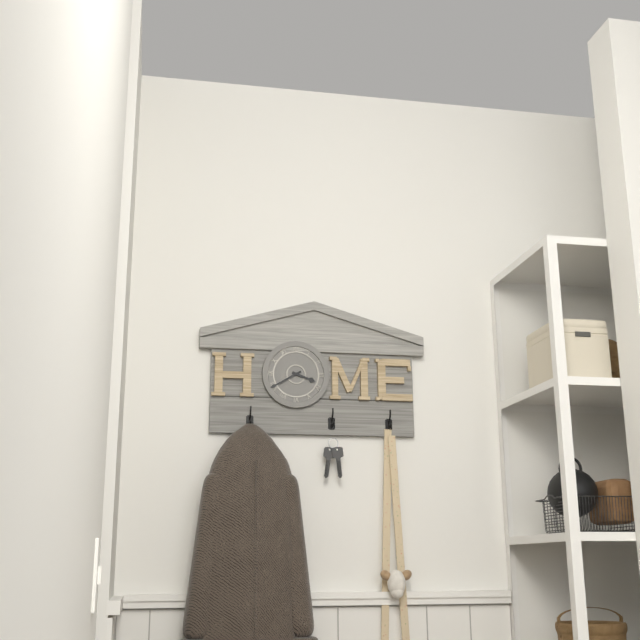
3:40
